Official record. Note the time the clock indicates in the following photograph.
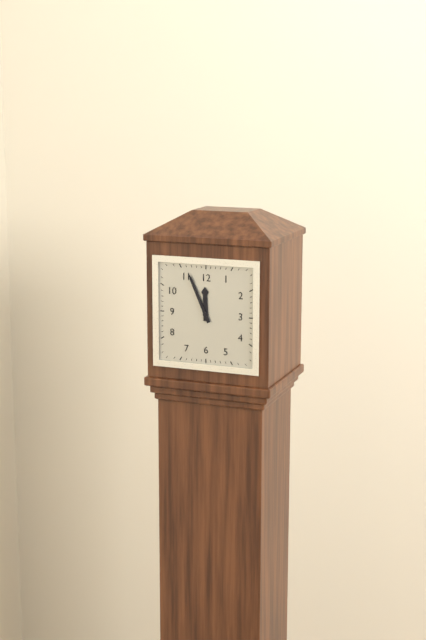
11:56
